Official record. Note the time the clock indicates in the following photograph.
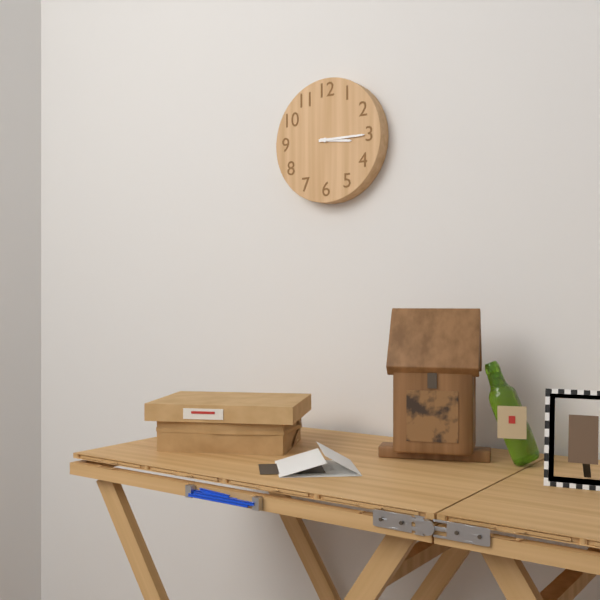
3:15
